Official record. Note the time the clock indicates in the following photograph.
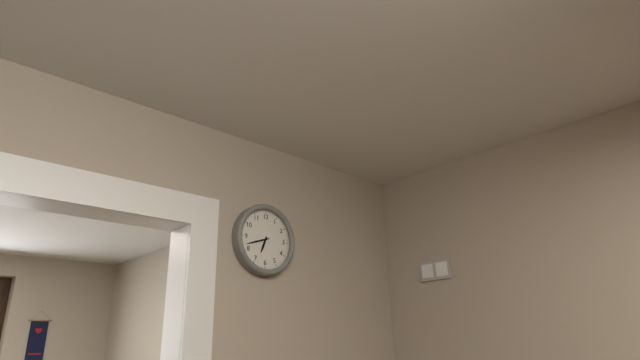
6:42
